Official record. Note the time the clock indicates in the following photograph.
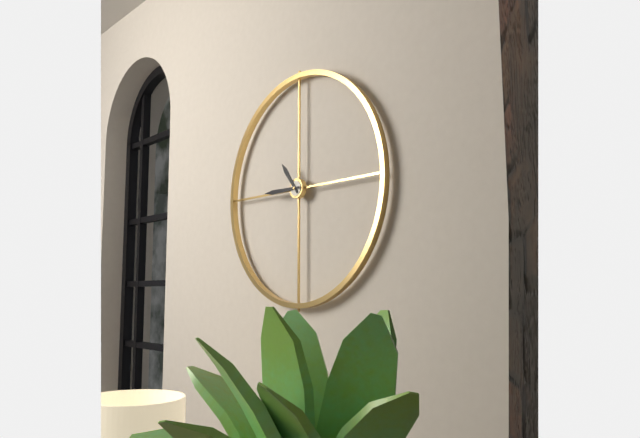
10:45
